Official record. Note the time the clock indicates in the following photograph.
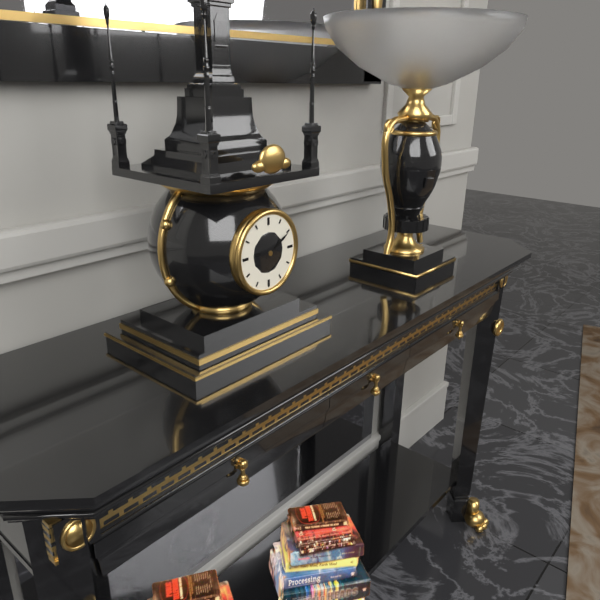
9:10
